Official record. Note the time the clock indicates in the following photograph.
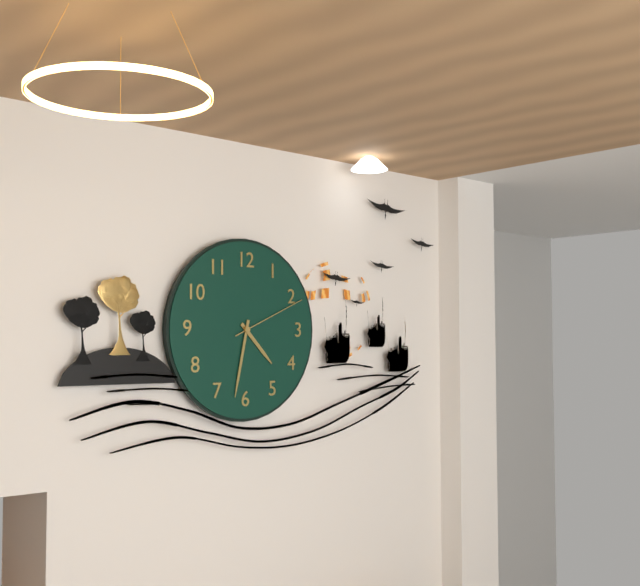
4:32:11
